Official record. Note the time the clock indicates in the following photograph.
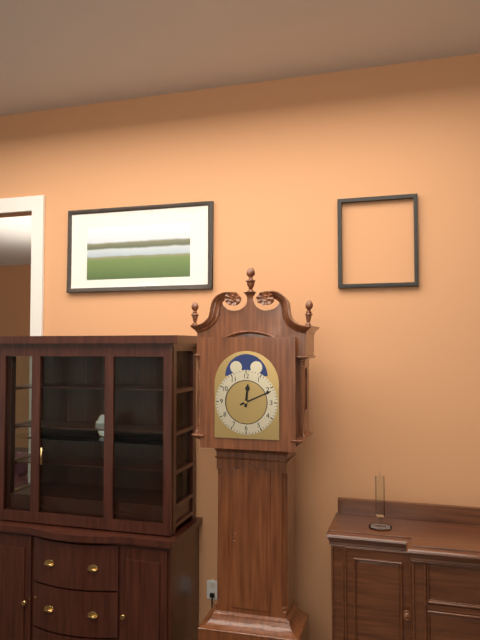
12:11
